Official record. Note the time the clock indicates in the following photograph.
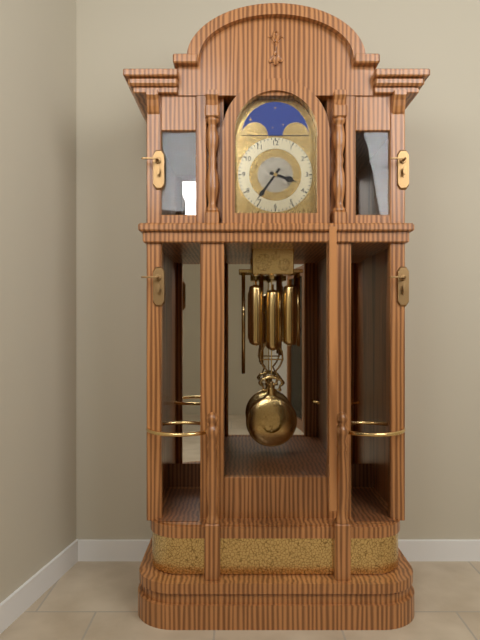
3:36
